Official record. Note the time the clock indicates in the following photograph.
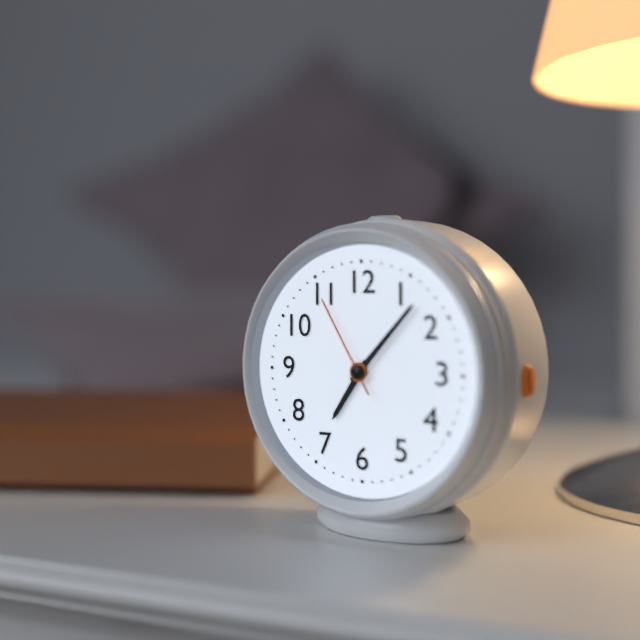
7:07:55
